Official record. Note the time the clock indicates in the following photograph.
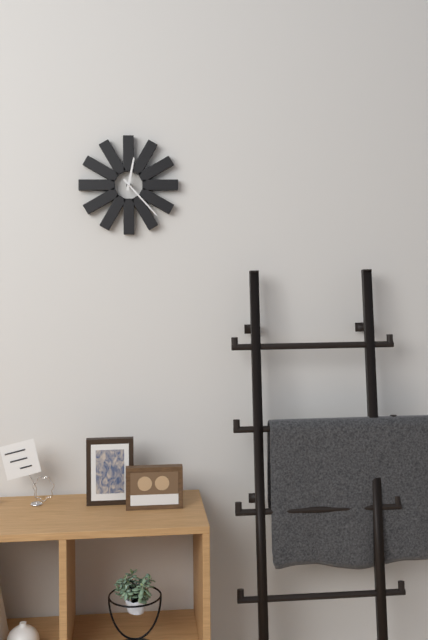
12:23
